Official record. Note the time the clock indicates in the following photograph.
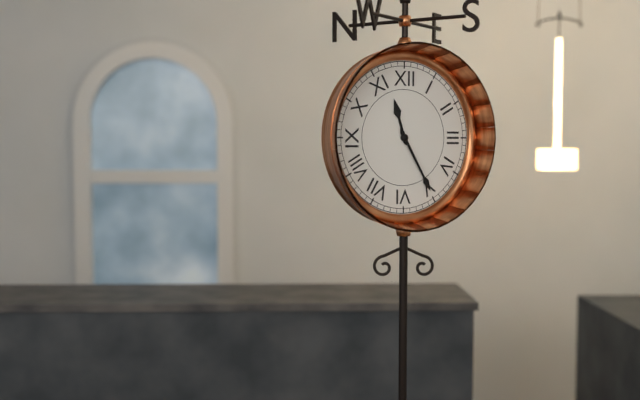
11:25
